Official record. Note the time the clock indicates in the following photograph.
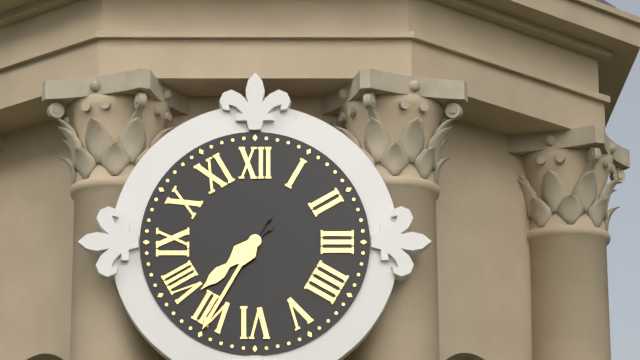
7:35
